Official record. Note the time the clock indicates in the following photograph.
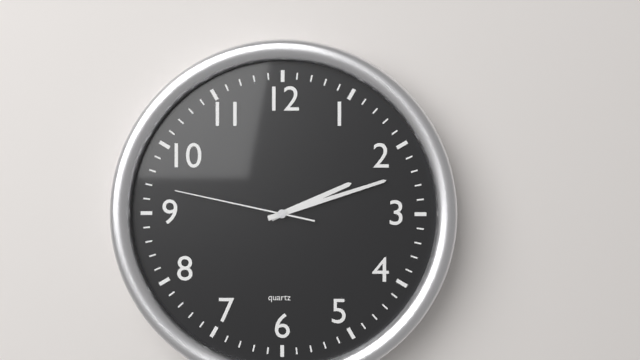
2:12:47
